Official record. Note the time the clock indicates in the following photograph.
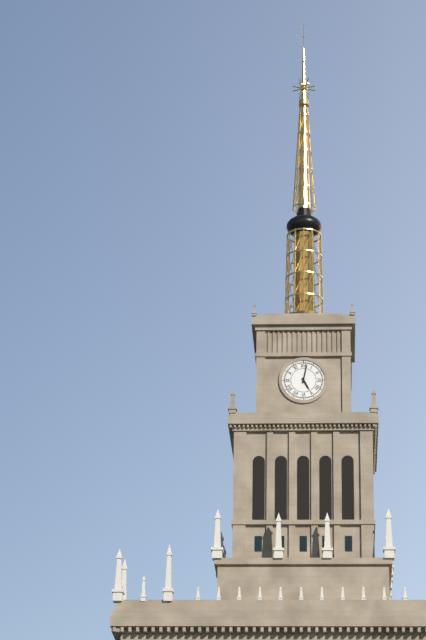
5:02
